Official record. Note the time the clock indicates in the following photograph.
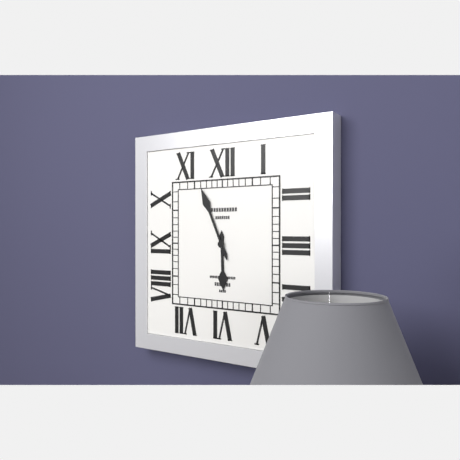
5:56
